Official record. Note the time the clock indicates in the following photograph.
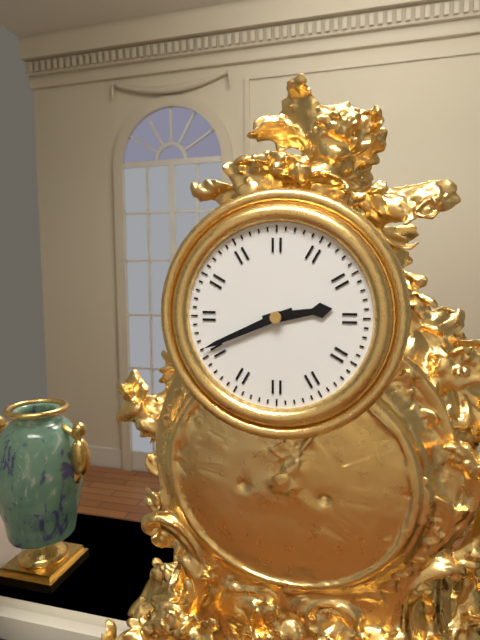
2:41
